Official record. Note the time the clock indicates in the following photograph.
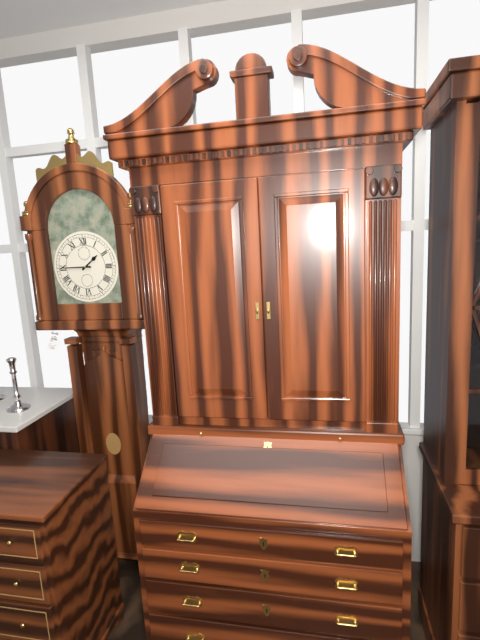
1:45
